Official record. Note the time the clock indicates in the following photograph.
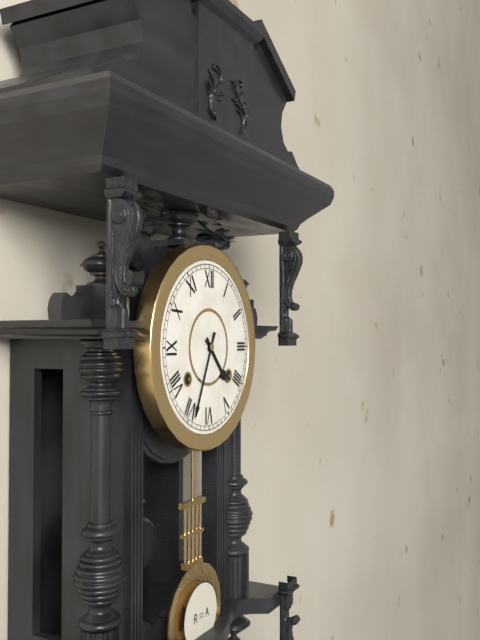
4:34
